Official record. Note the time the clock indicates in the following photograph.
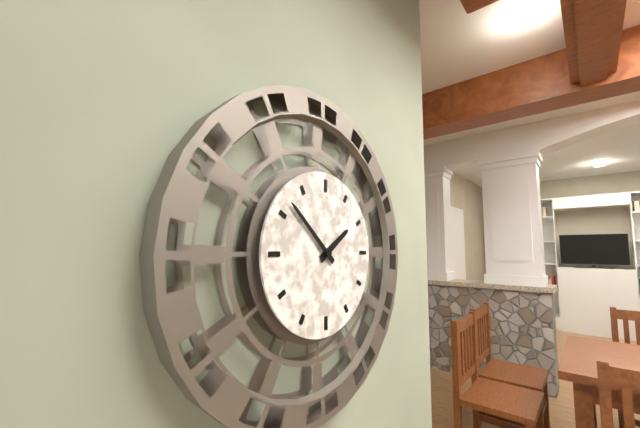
1:52
